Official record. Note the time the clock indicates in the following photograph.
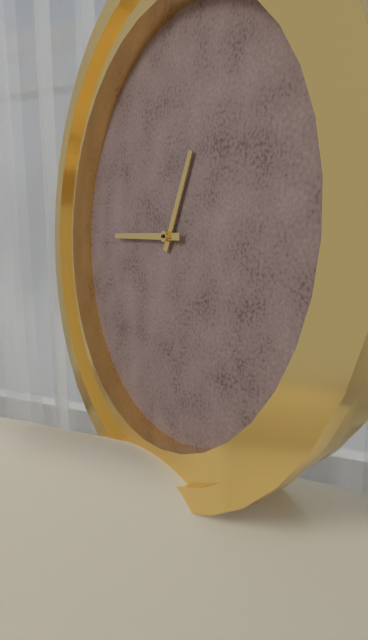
12:45
